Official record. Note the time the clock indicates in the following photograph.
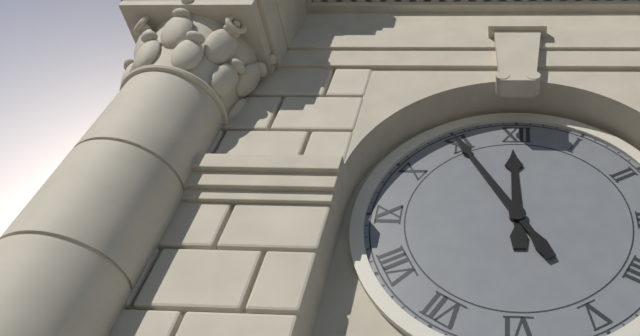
11:55
